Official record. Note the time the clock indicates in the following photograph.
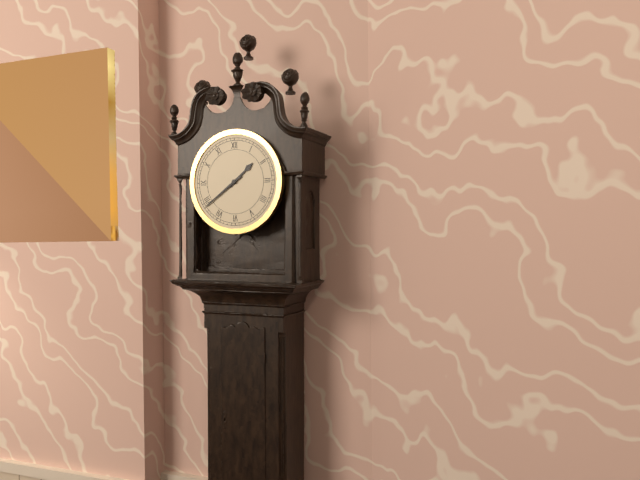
1:39
